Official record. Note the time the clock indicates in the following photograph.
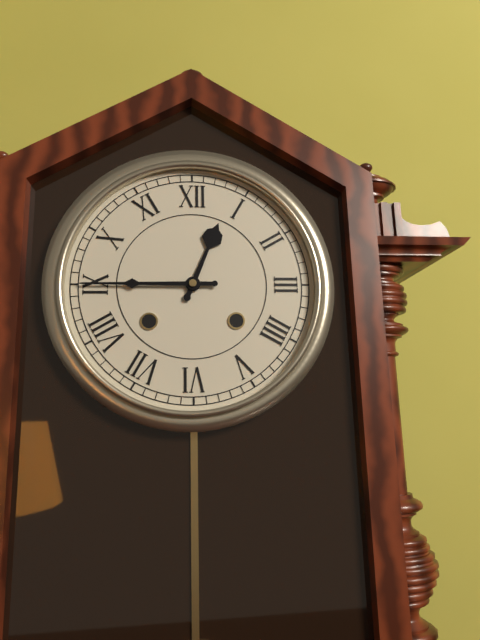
12:45
